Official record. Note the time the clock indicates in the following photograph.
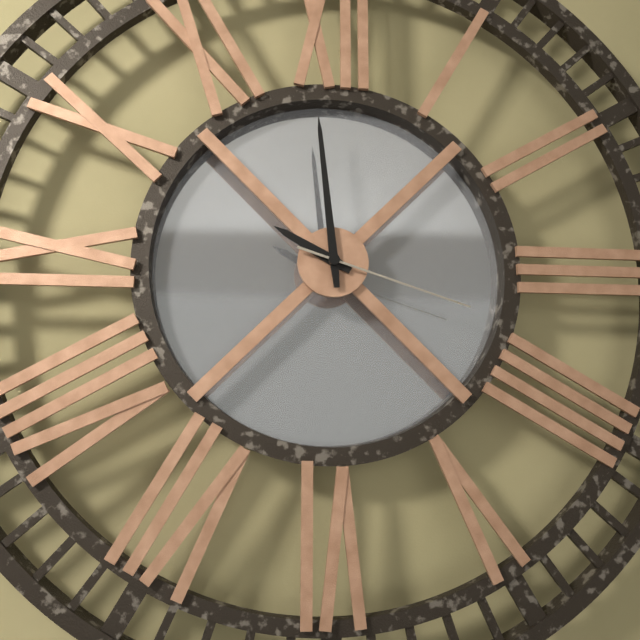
9:59:18
